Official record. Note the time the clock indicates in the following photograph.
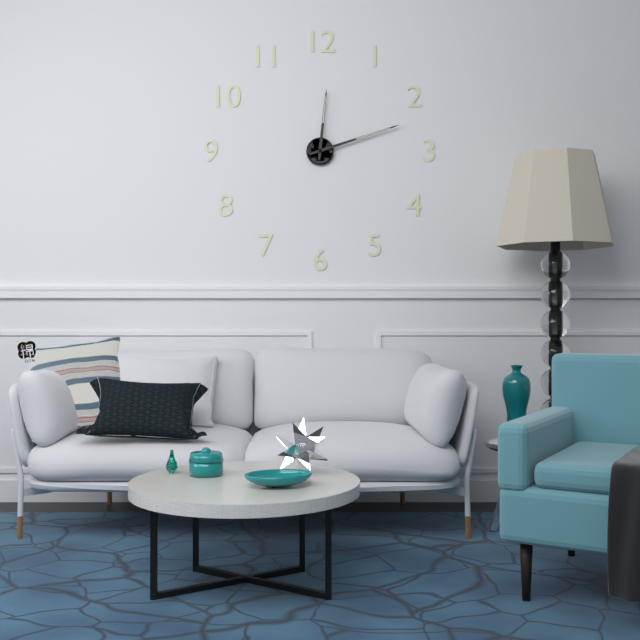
12:12
